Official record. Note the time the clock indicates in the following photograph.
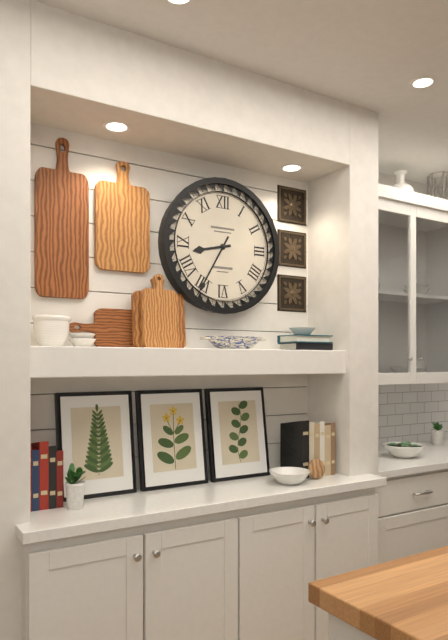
8:35
